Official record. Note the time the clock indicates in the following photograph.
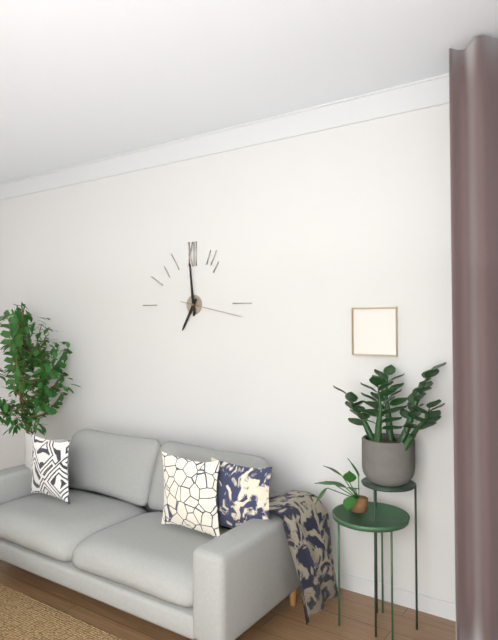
6:59:17
